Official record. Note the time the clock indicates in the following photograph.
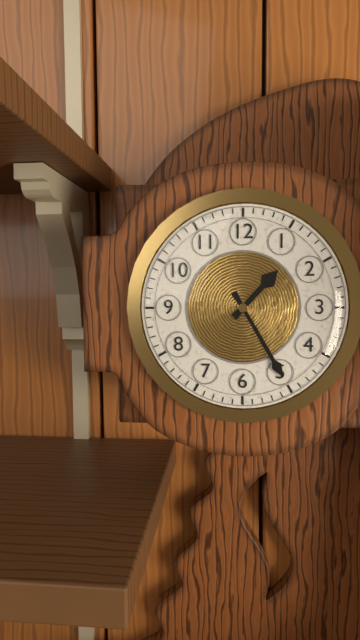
1:25
